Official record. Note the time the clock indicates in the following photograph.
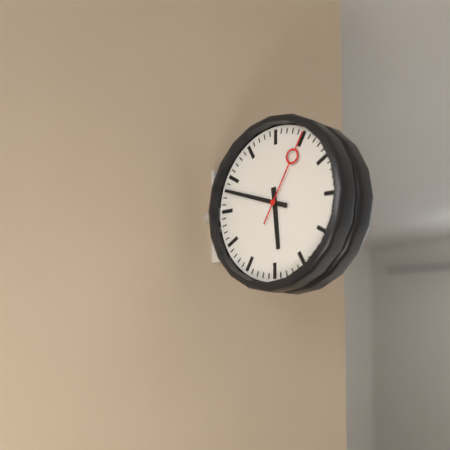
5:48:05
